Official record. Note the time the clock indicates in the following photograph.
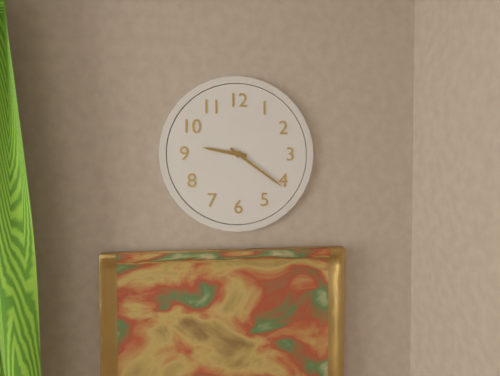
9:21
